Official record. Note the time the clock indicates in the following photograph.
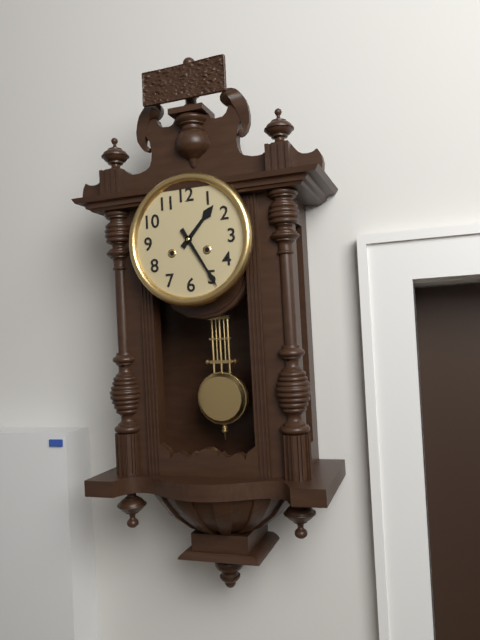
1:25
